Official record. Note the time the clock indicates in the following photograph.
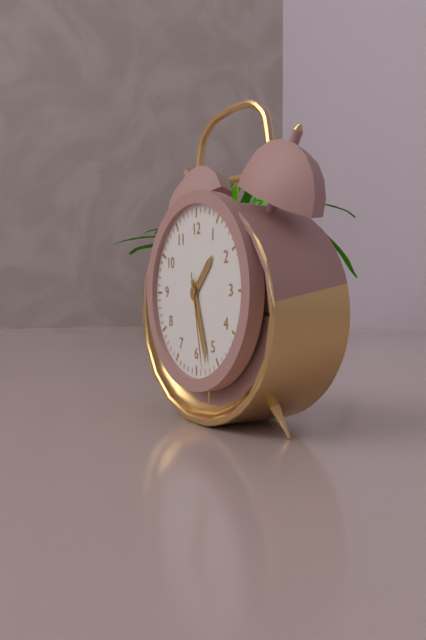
1:27:28
